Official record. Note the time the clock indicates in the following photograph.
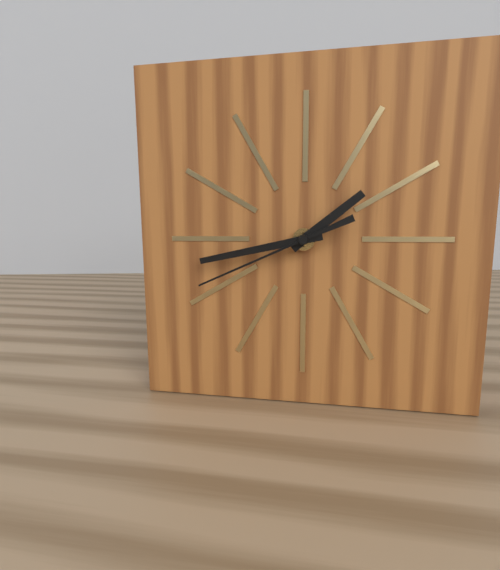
1:43:41
